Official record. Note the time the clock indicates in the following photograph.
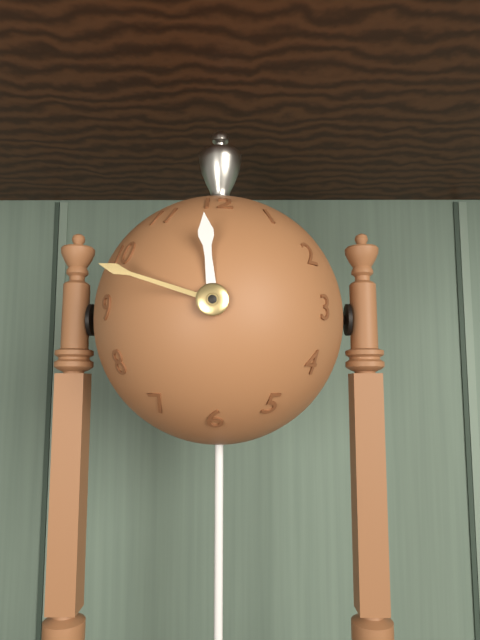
11:48
